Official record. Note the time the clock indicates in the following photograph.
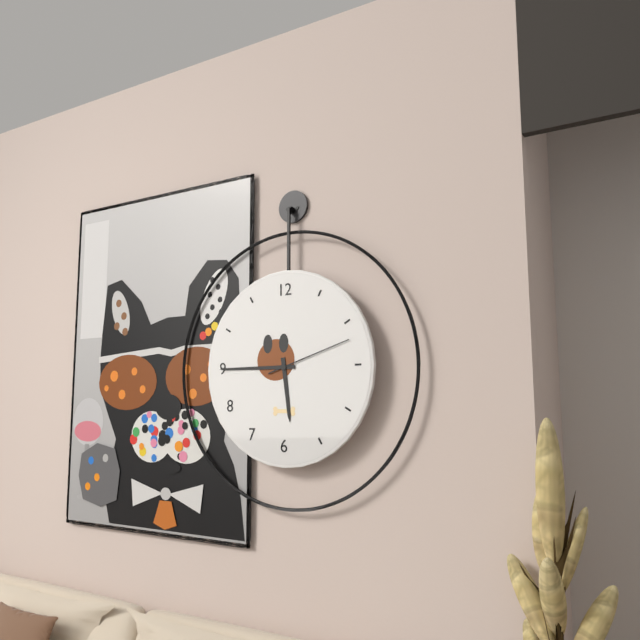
5:45:12
